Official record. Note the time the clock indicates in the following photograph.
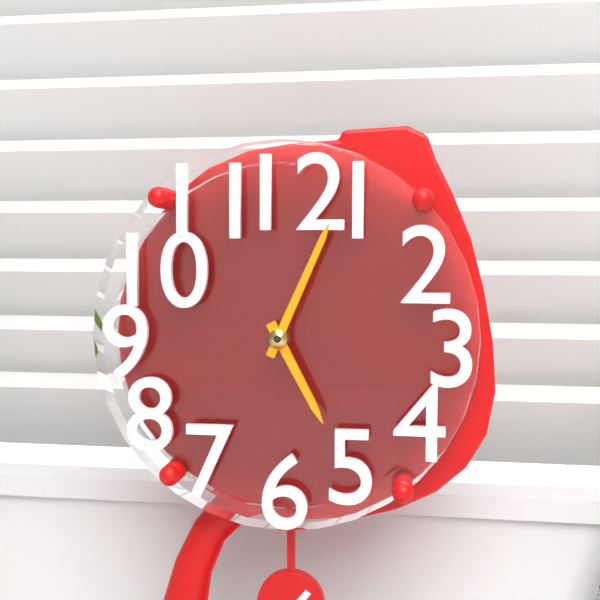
5:04
